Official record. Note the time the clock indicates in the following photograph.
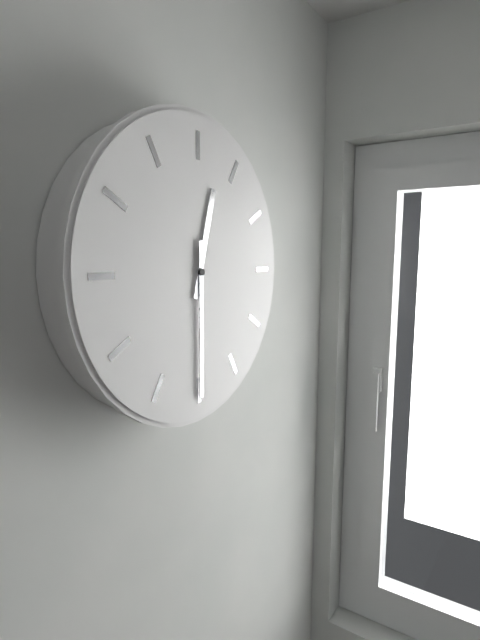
12:30
